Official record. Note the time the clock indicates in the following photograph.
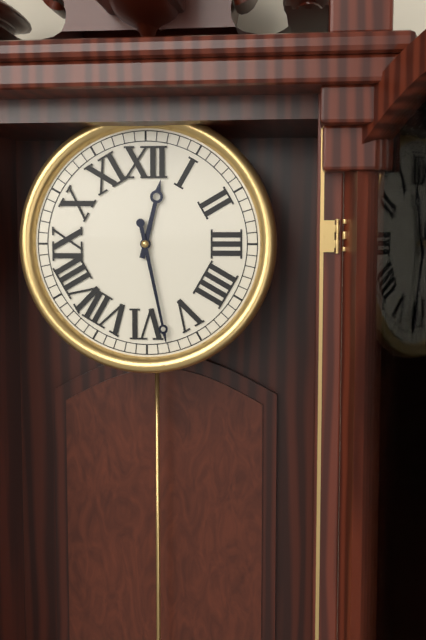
12:28
